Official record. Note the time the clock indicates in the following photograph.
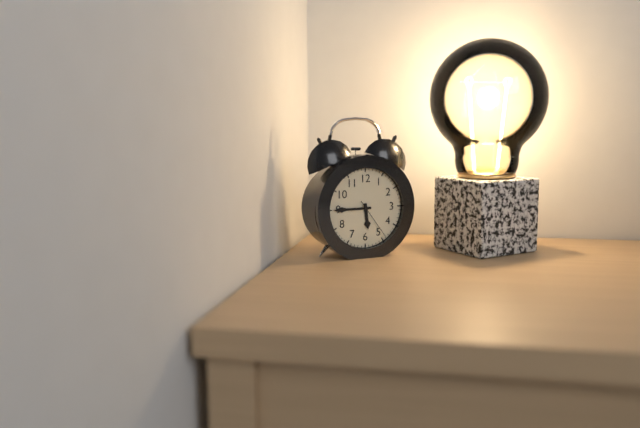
5:45
